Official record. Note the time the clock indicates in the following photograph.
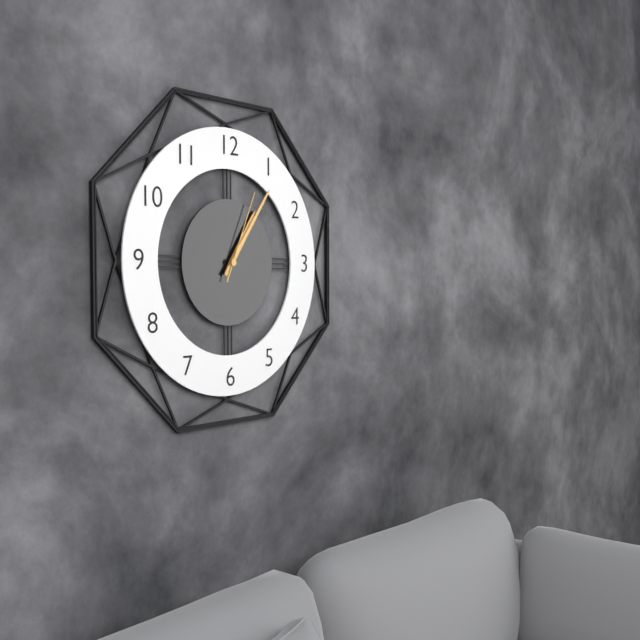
1:06:04
